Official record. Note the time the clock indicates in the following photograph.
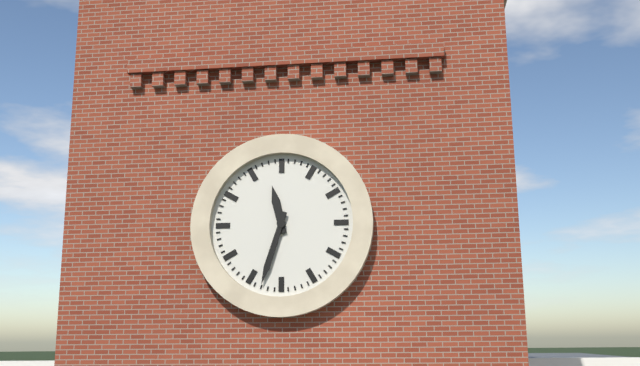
11:33
